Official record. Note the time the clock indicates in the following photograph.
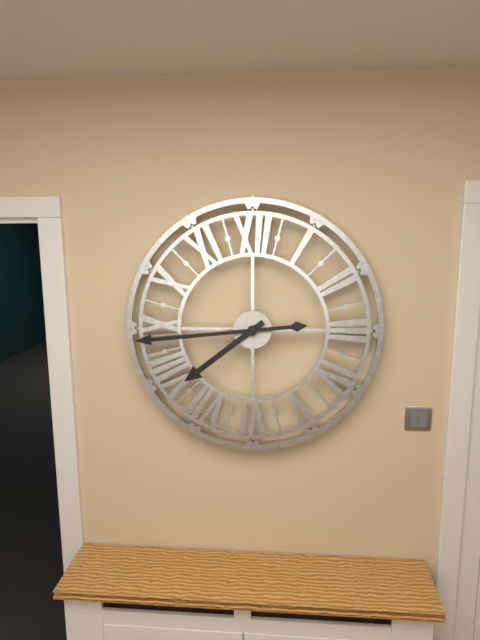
7:44
